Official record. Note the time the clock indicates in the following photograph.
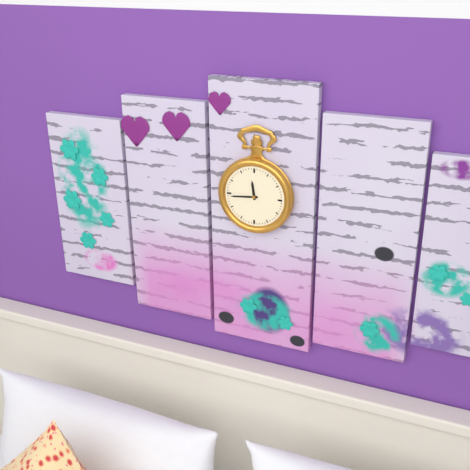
11:44
